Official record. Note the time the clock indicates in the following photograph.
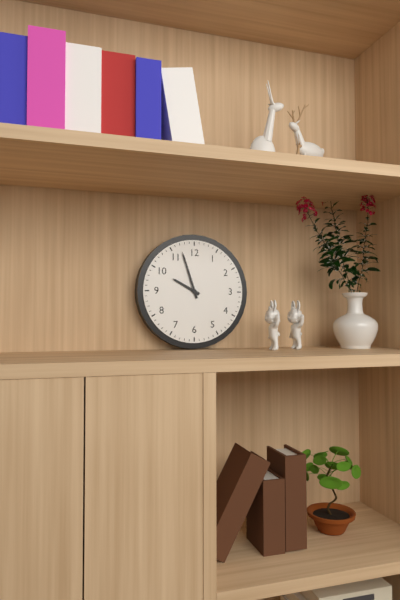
9:57
